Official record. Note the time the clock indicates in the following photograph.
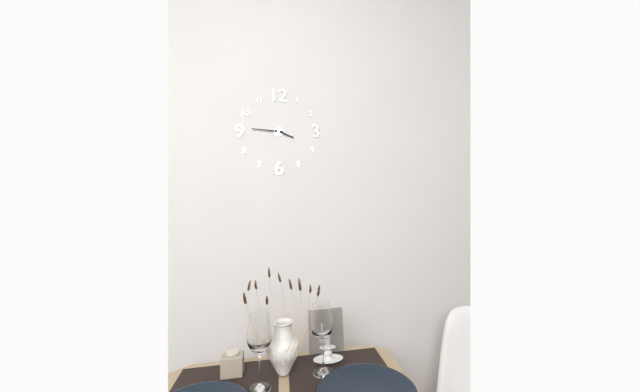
3:46
